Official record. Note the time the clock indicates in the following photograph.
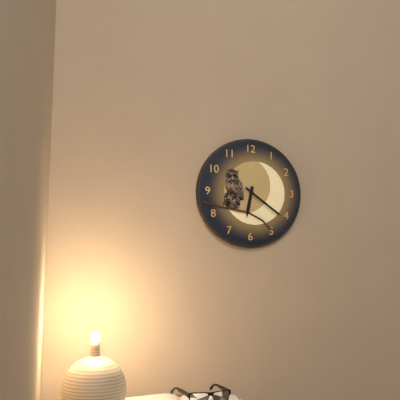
6:21
